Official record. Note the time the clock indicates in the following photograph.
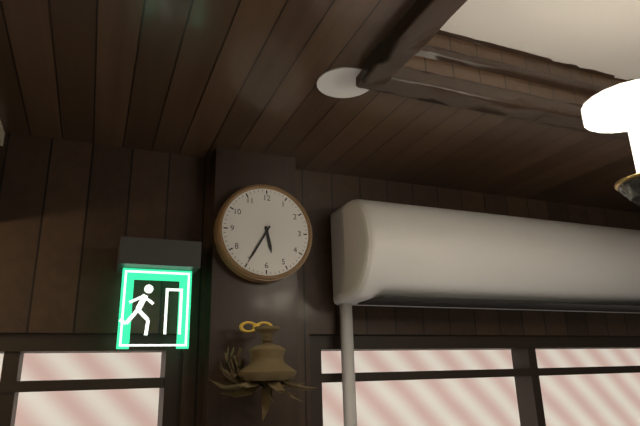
5:35
